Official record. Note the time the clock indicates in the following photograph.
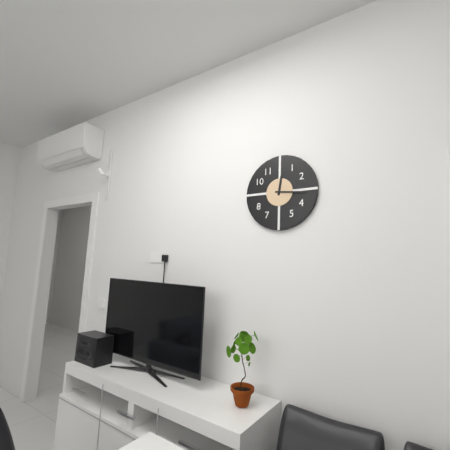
12:16
